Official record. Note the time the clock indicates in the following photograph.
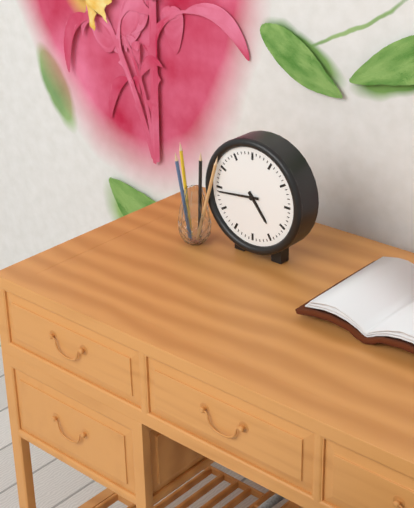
4:44
